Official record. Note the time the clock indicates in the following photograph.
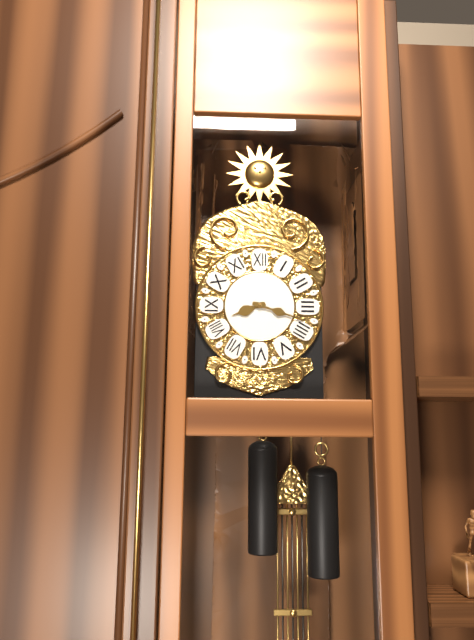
8:18
